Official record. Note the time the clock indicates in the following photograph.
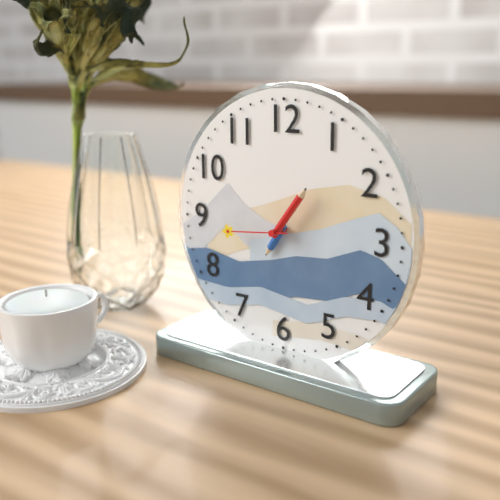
7:06:44
